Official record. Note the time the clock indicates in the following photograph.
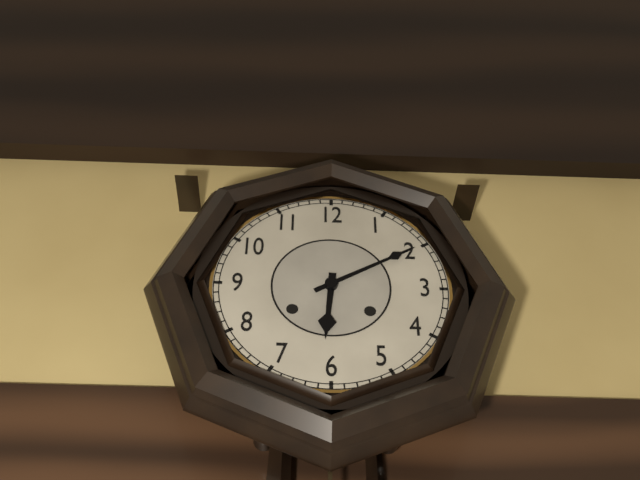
6:10
